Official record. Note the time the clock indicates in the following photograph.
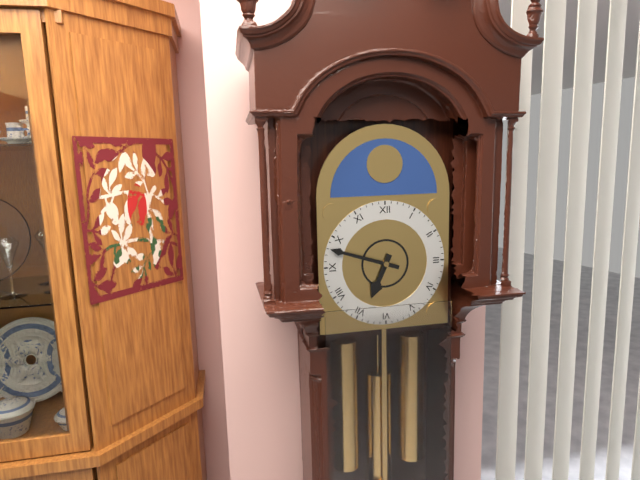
6:48
